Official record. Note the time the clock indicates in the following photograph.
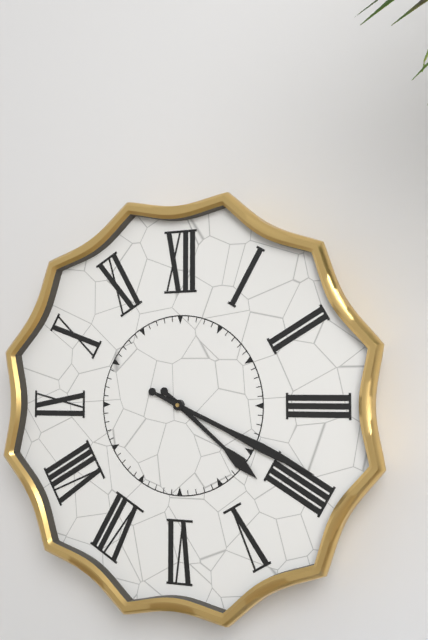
4:19
